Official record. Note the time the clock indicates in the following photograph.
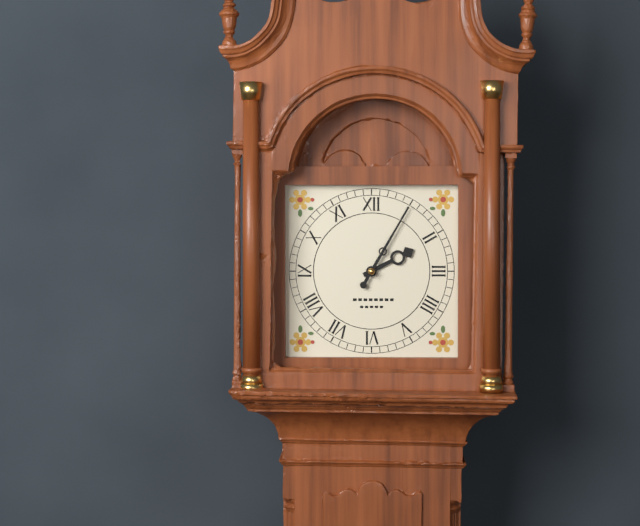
2:05
